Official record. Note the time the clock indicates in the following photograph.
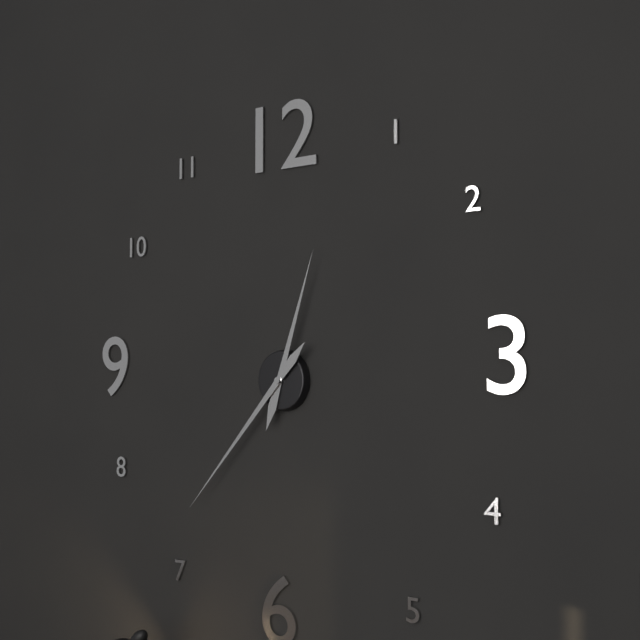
12:37
